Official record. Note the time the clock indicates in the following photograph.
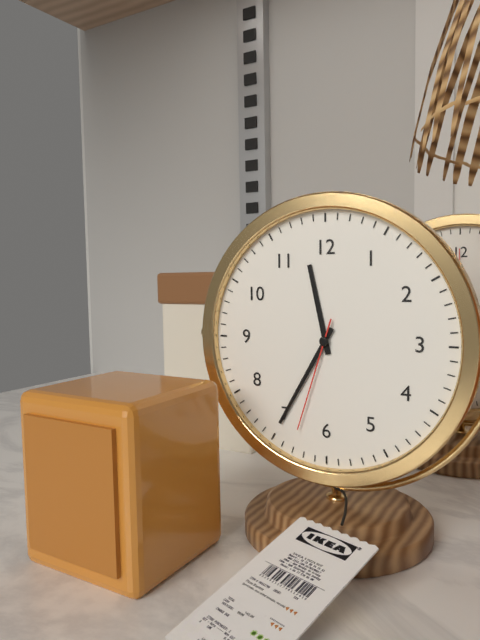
11:35:33
